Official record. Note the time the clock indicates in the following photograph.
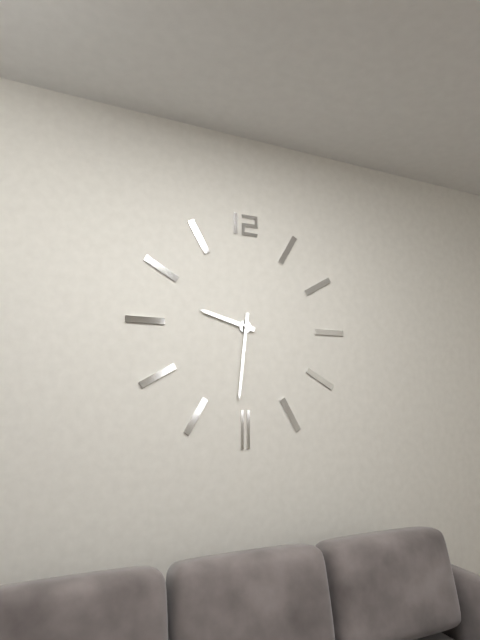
9:31
